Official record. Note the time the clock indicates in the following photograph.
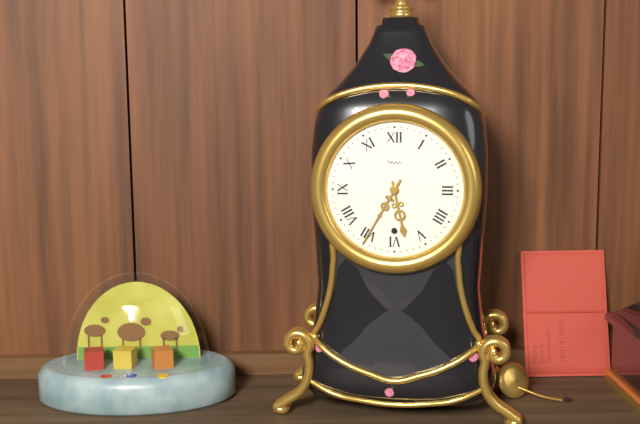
5:35
